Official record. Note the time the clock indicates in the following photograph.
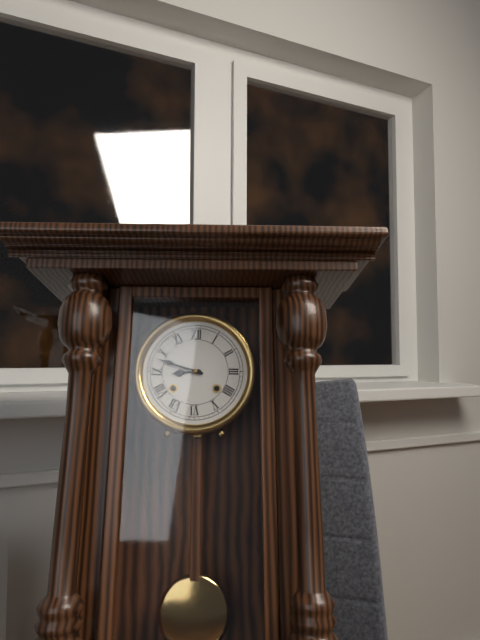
8:48
